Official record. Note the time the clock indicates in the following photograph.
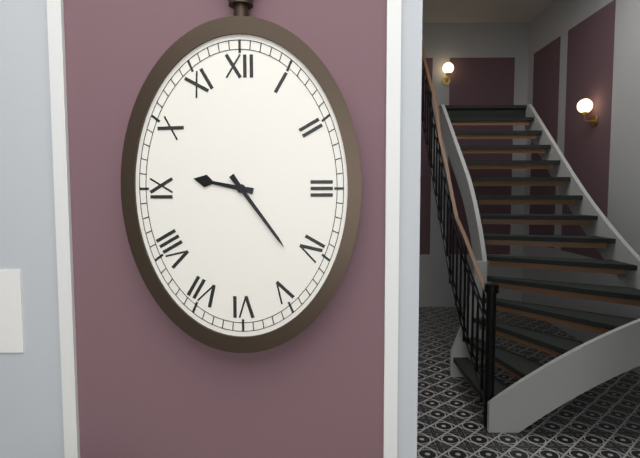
9:24
